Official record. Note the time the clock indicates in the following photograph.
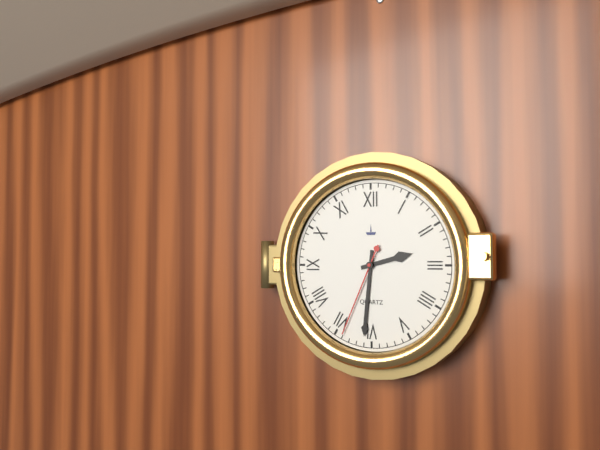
2:31:34
